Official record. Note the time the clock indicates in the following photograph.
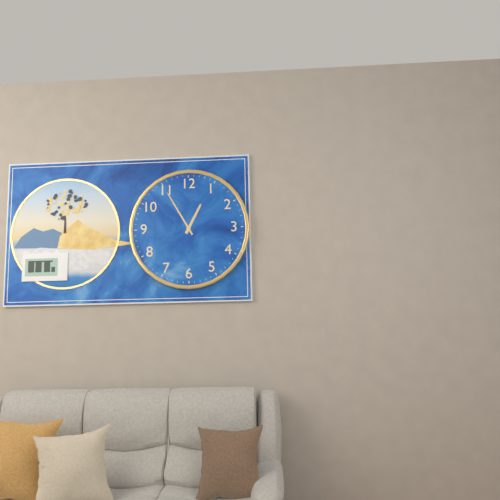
12:55
